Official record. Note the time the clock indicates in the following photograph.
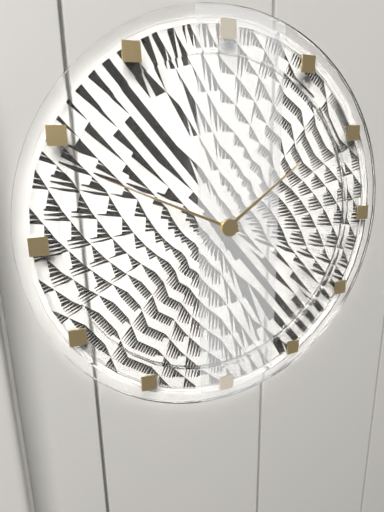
1:49
